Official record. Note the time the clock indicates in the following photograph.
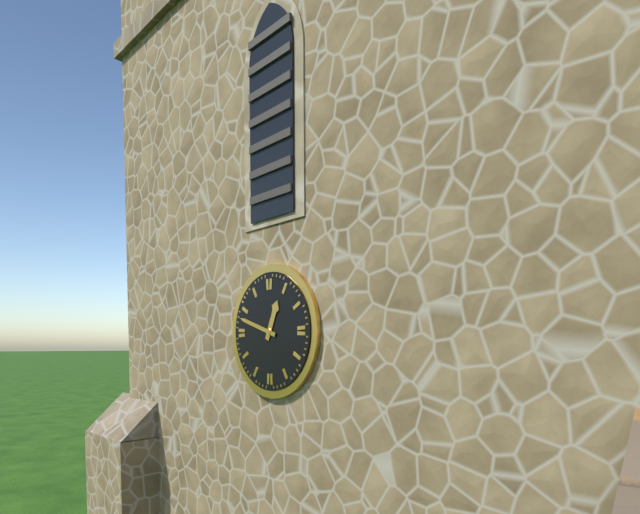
12:48
